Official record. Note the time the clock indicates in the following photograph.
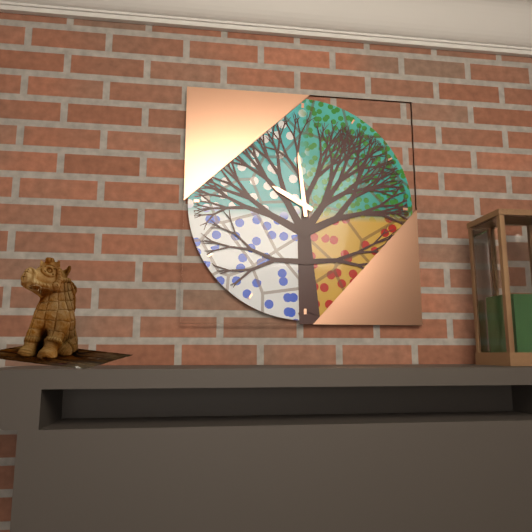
9:59
